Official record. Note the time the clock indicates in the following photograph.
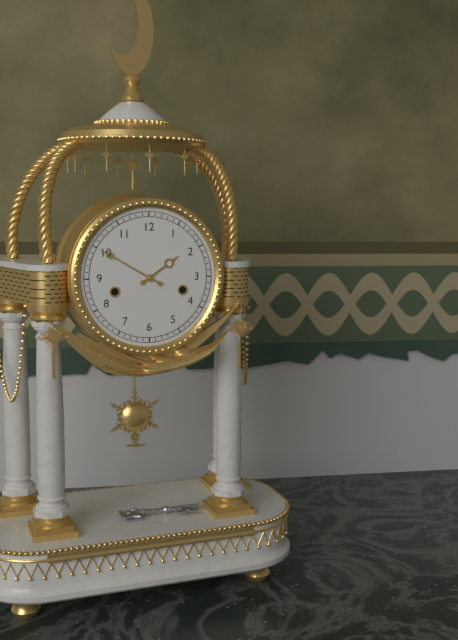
1:50
